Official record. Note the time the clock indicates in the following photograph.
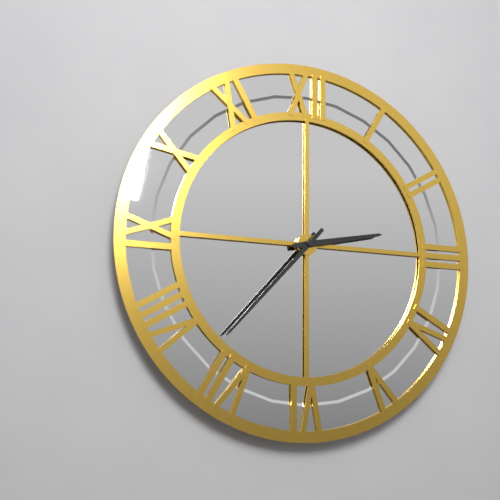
2:37
